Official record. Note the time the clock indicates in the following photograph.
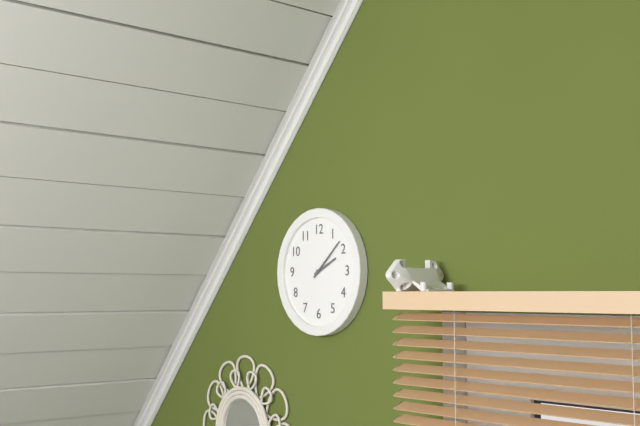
2:08
